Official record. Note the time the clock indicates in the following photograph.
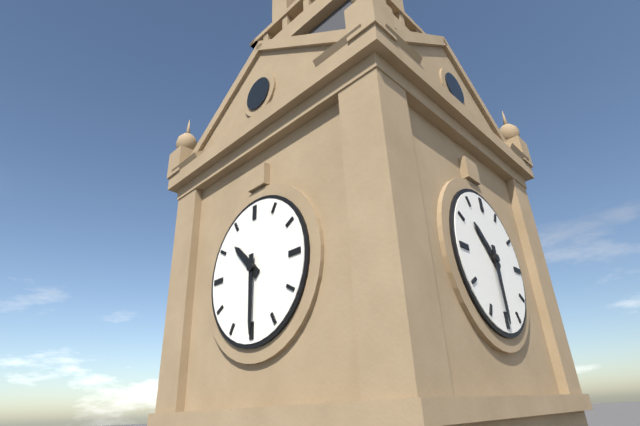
10:30
